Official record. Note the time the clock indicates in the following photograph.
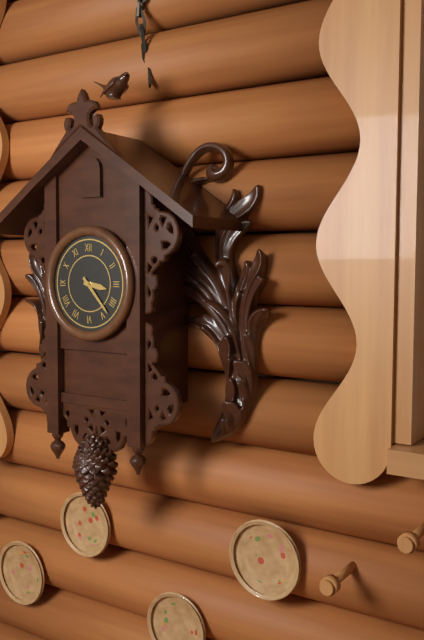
3:23
